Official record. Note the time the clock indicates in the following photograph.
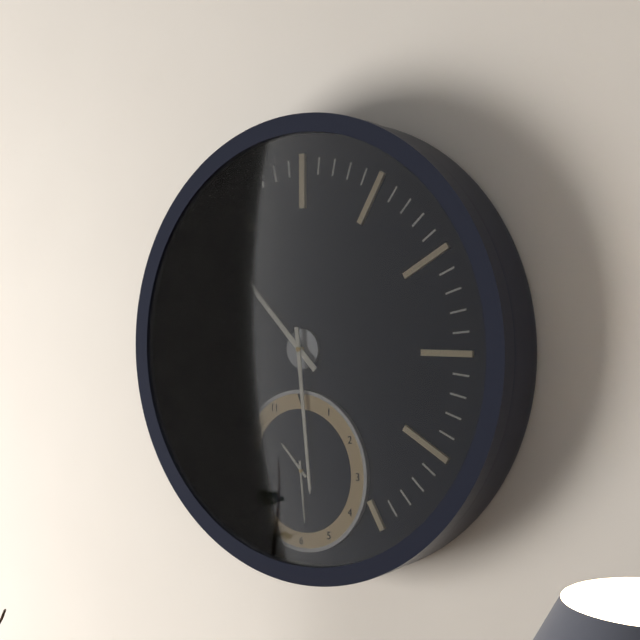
10:29
